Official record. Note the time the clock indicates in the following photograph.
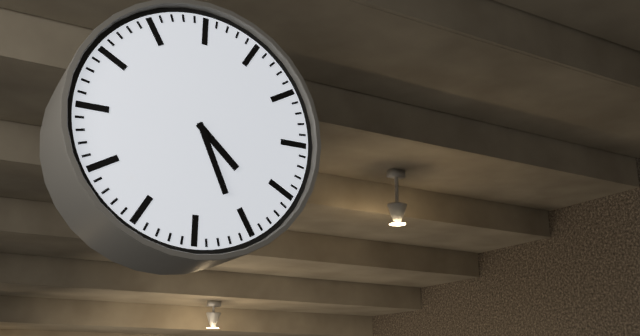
4:26
